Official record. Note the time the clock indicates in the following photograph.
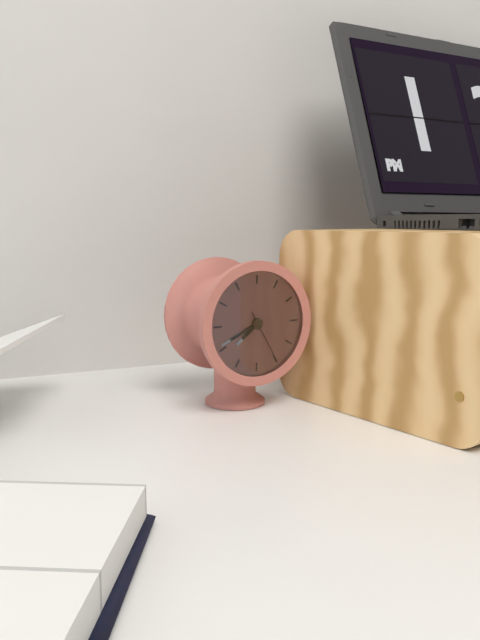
7:41:25
